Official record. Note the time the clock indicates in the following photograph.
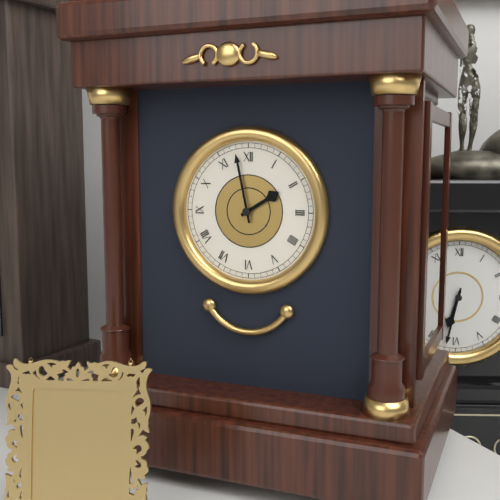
1:58
